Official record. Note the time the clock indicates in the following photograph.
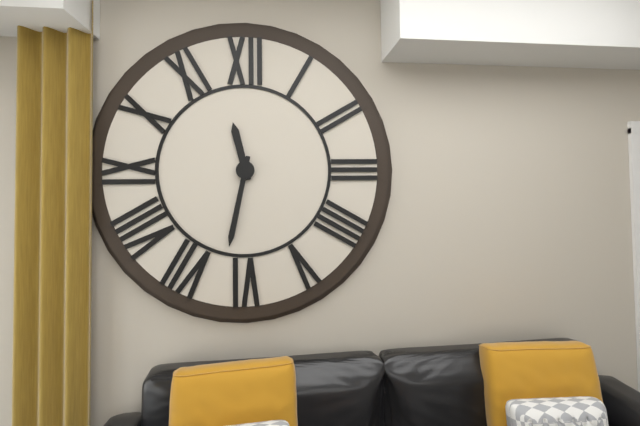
11:32
